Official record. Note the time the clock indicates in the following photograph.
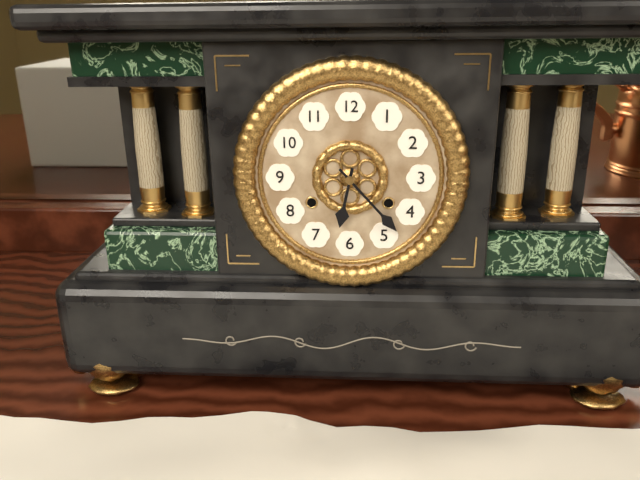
6:23
